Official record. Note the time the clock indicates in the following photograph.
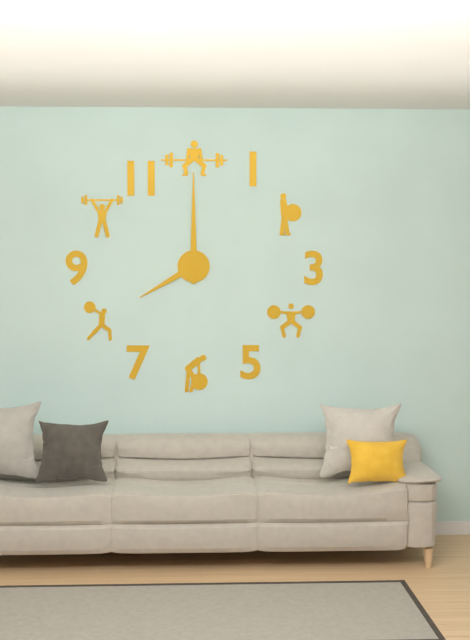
8:00
